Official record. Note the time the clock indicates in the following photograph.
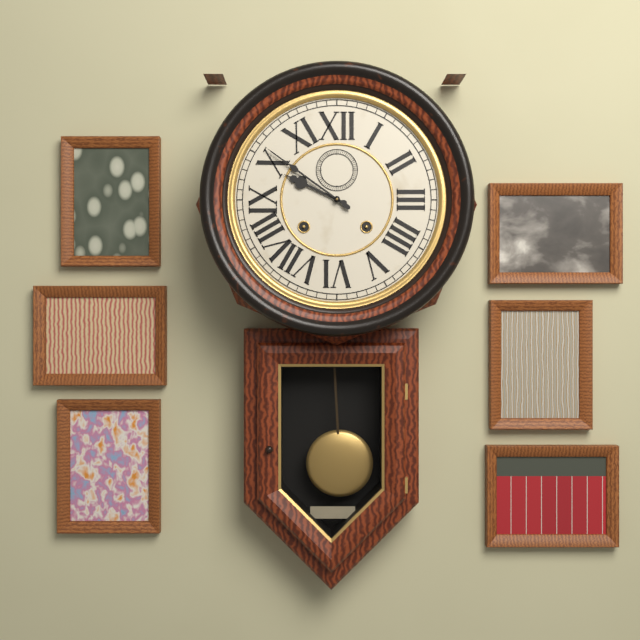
9:51
